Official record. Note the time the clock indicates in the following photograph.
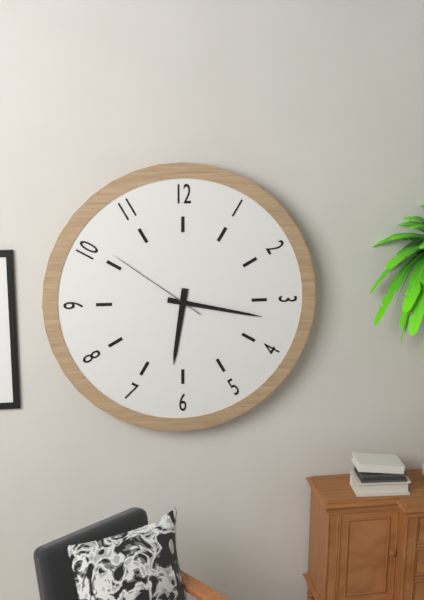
6:17:51
